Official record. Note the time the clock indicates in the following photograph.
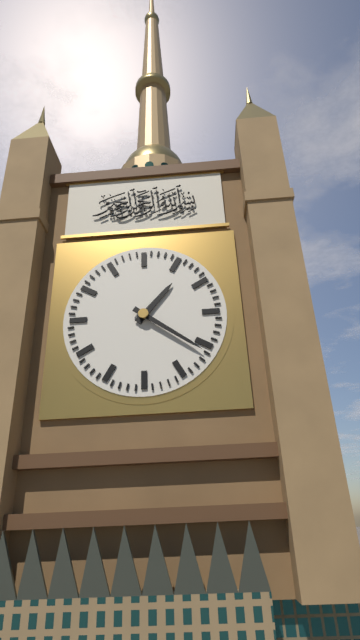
1:21
